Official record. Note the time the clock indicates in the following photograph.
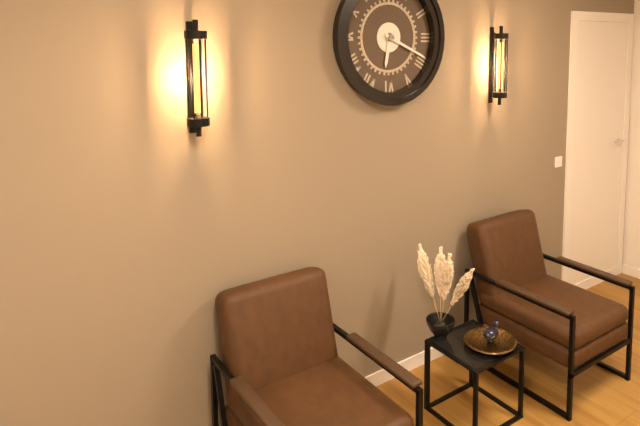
6:19
